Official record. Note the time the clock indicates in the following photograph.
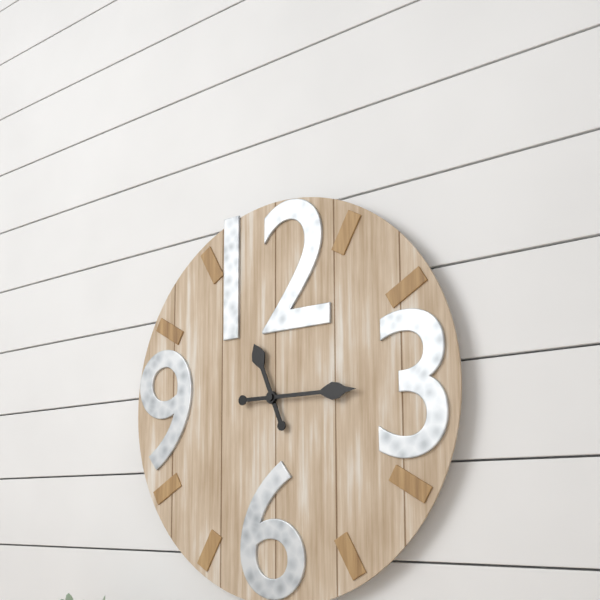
11:15
